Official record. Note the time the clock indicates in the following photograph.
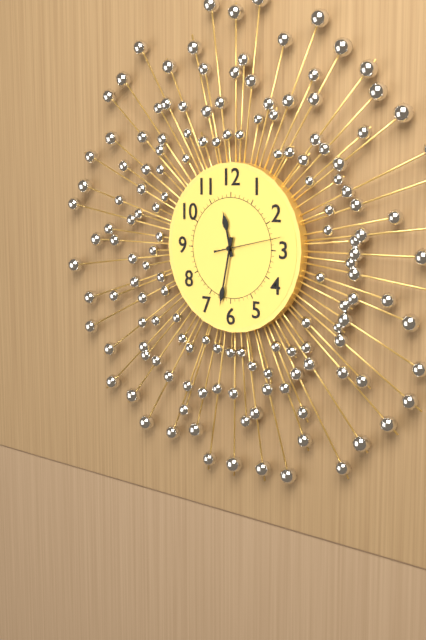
11:32:13
